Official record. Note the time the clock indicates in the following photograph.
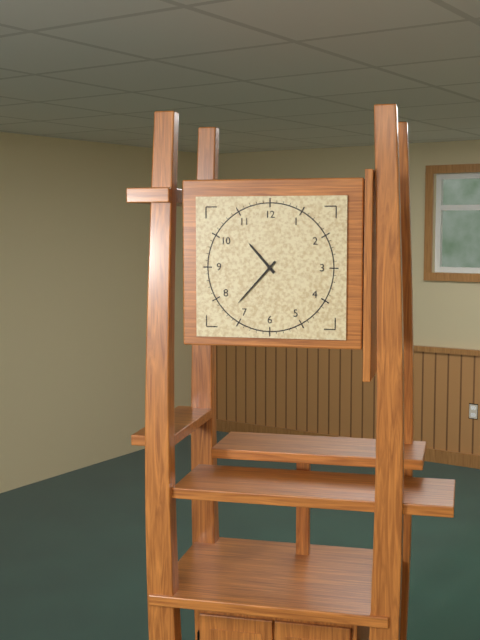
10:37
